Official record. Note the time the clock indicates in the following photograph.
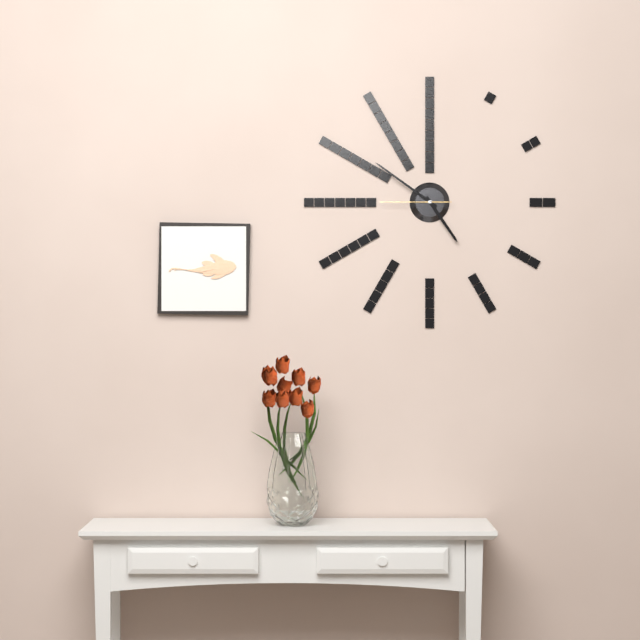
4:51:45
